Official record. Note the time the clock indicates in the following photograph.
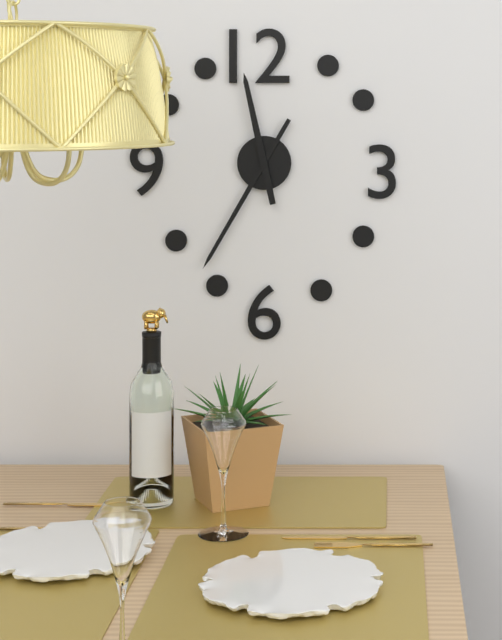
11:35
